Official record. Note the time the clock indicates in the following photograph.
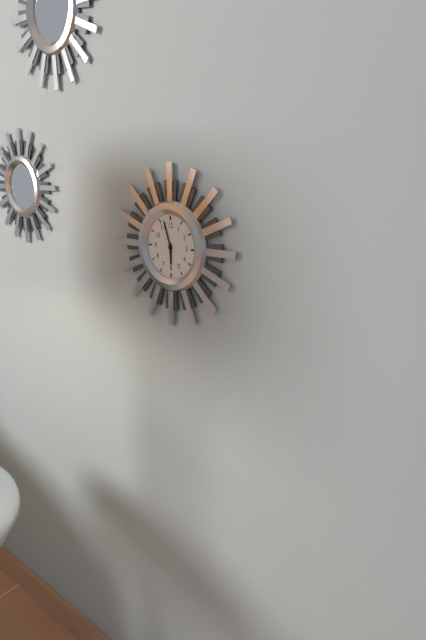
5:57
